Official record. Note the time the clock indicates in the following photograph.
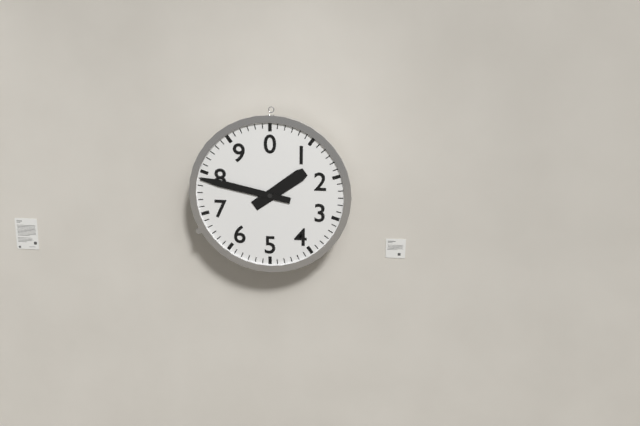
1:47
